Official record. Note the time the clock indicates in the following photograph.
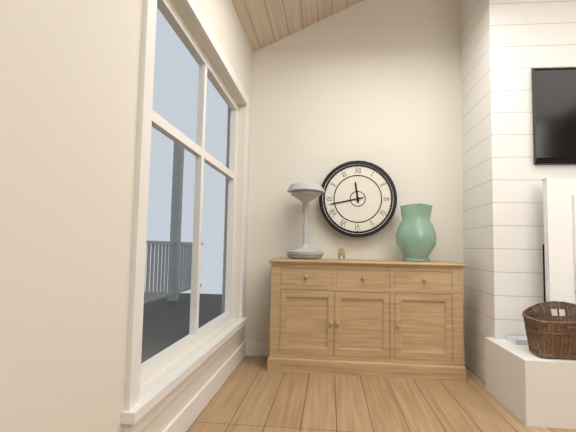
11:43
